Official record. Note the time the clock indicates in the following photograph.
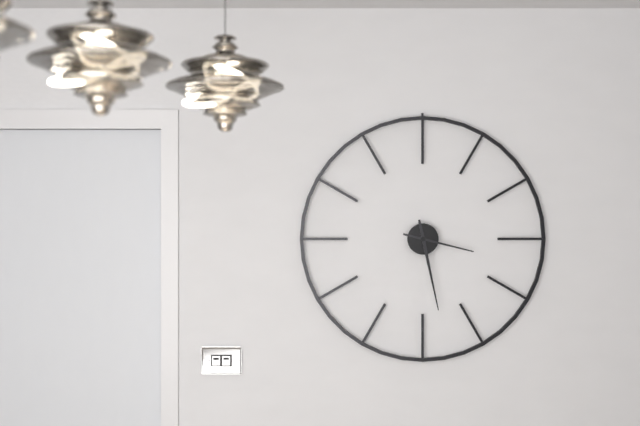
3:28
